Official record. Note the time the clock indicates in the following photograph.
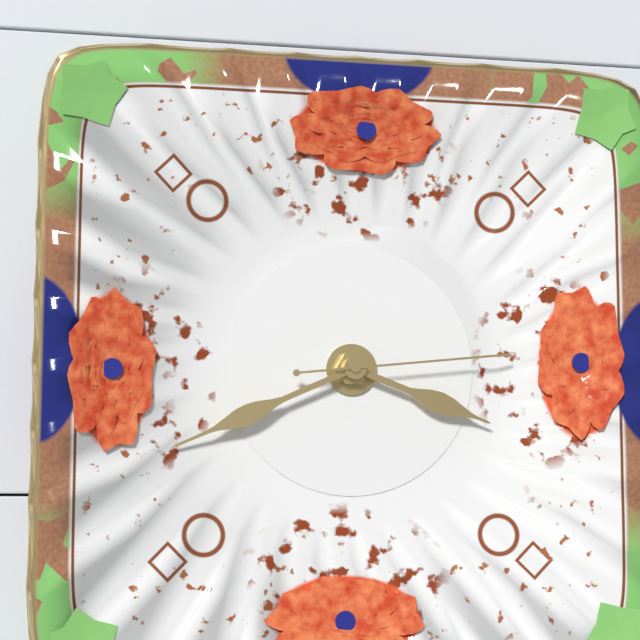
3:41:14
